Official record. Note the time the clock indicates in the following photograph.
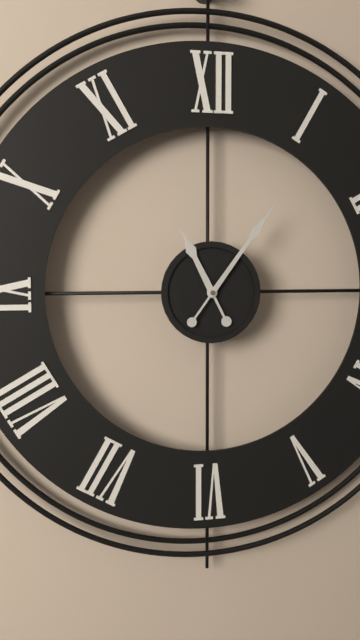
11:06
